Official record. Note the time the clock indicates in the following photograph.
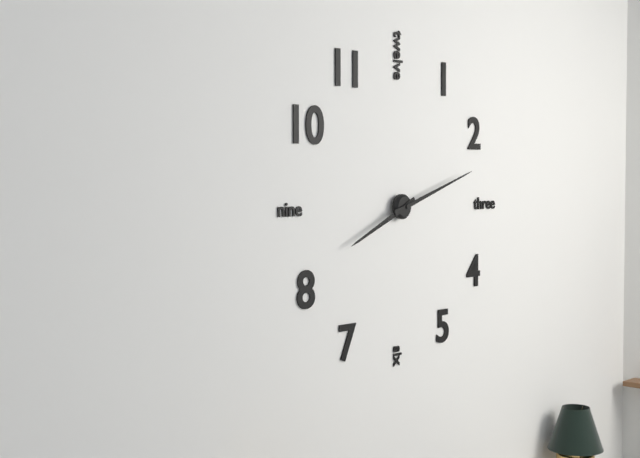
8:12
